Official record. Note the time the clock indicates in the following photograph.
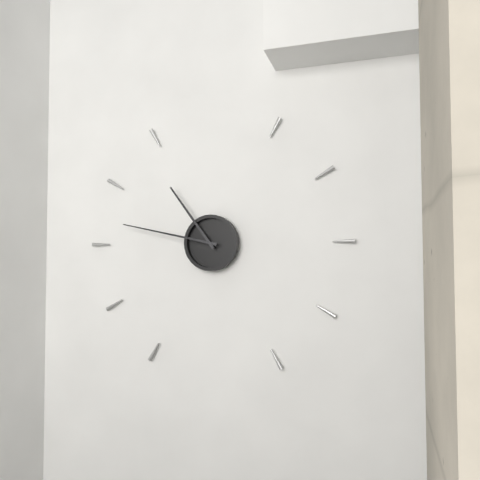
10:47
